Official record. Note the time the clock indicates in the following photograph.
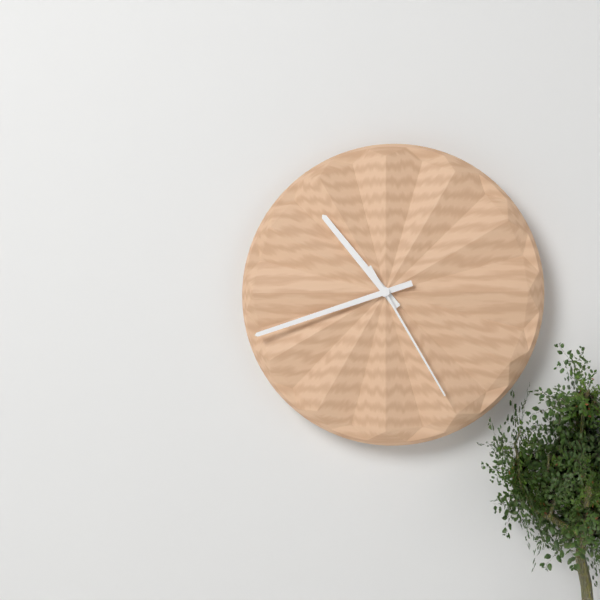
10:42:25
